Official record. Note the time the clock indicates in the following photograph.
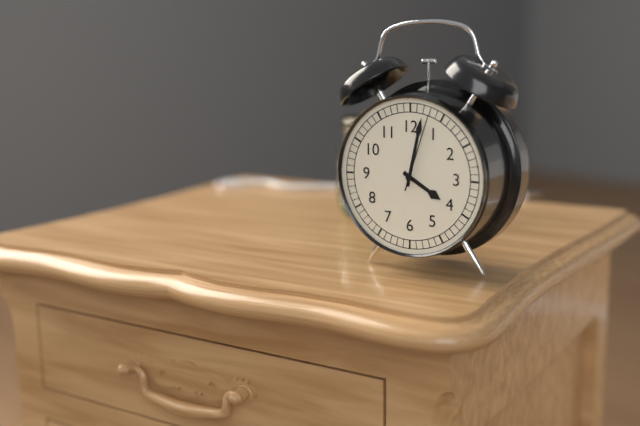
4:02:03
